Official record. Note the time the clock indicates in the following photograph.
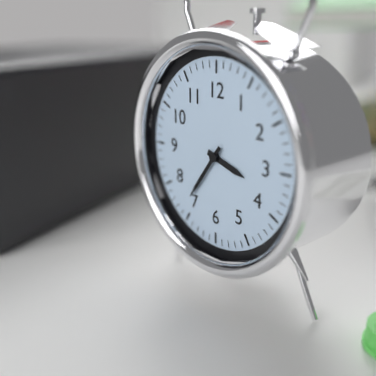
3:36
